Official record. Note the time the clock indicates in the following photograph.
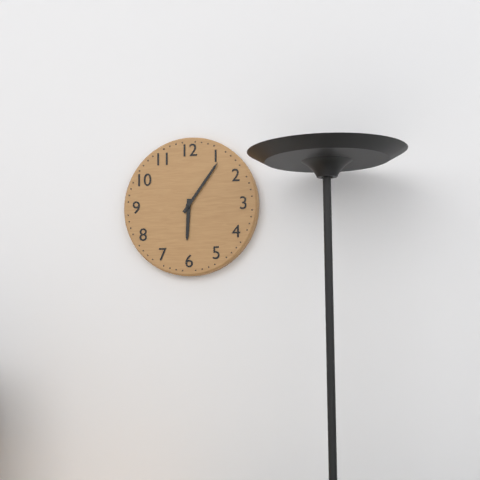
6:06
